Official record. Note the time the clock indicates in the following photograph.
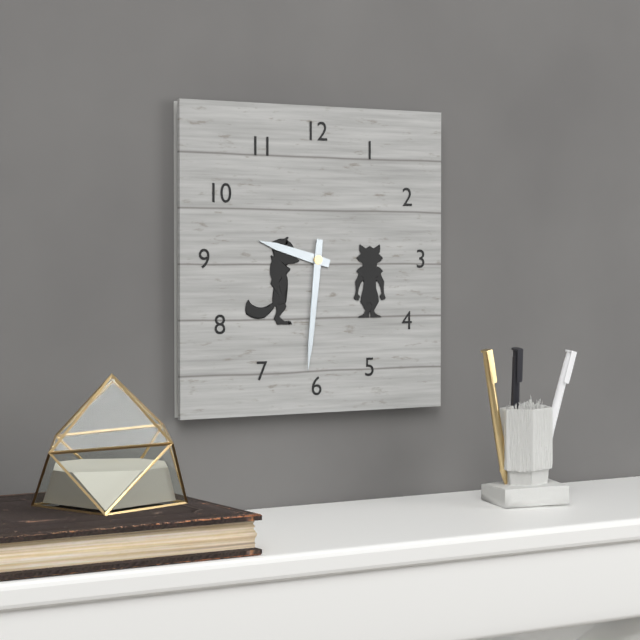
9:31
